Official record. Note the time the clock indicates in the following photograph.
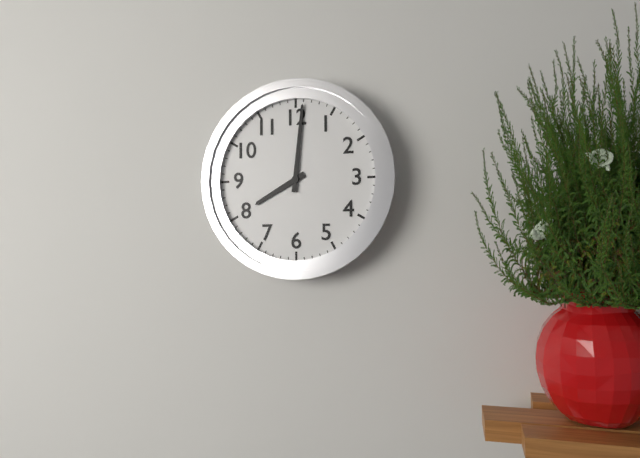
8:01
